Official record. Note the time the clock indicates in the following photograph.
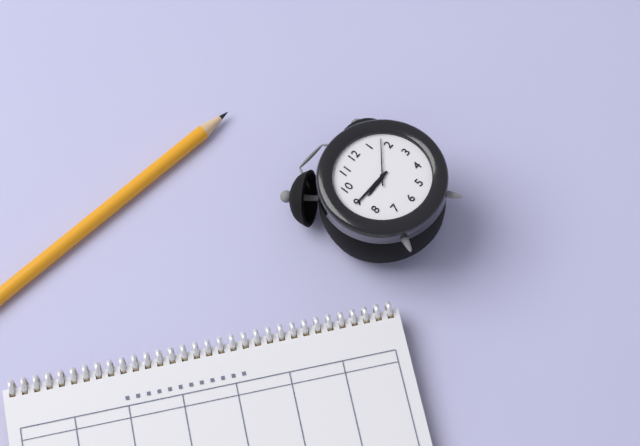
8:45
